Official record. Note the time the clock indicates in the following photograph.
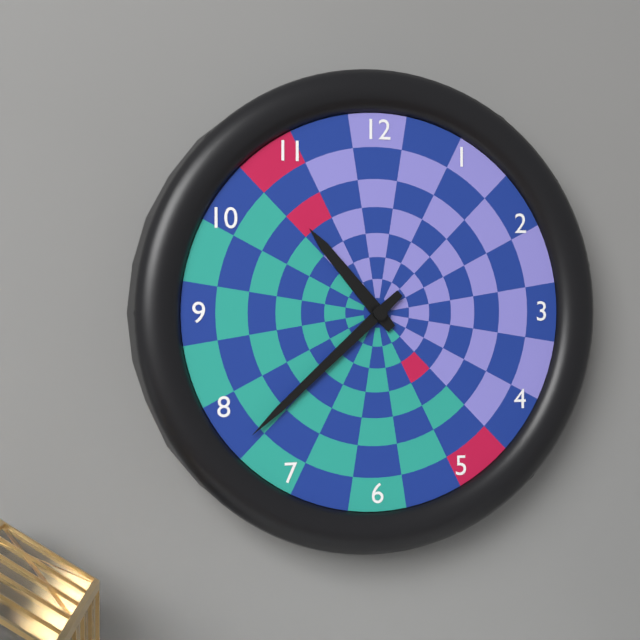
10:38
